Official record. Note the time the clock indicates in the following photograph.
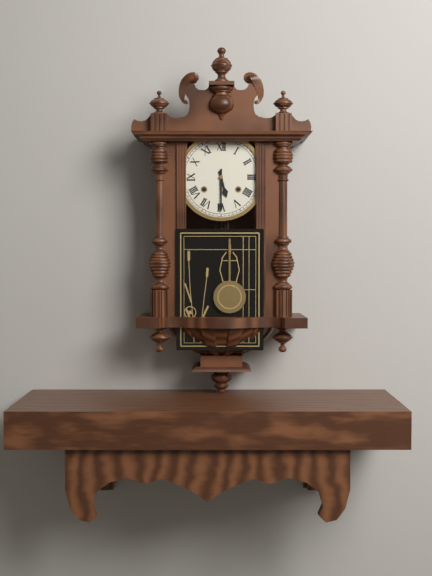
5:30
